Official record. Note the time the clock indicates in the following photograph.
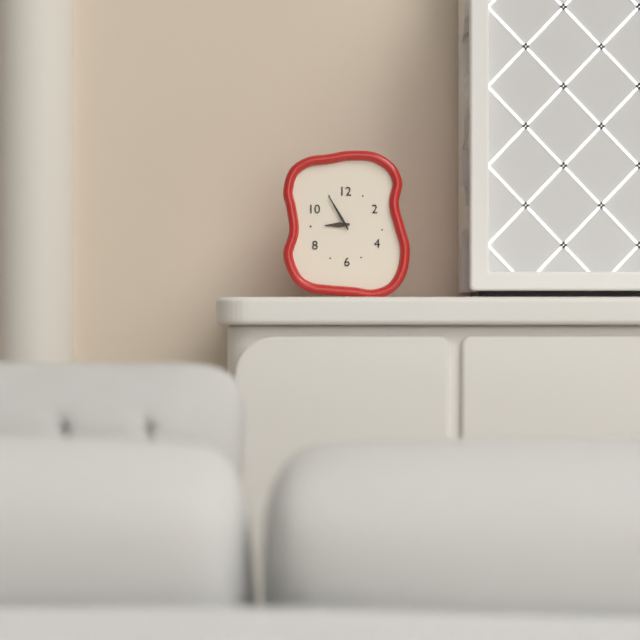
8:55
